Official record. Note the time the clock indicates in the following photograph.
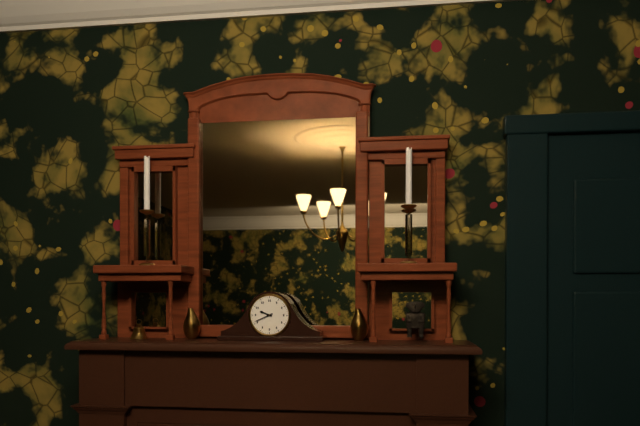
9:41
